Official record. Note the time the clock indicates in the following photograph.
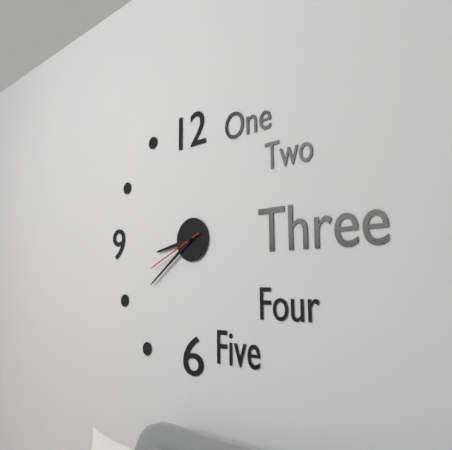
8:39:41
